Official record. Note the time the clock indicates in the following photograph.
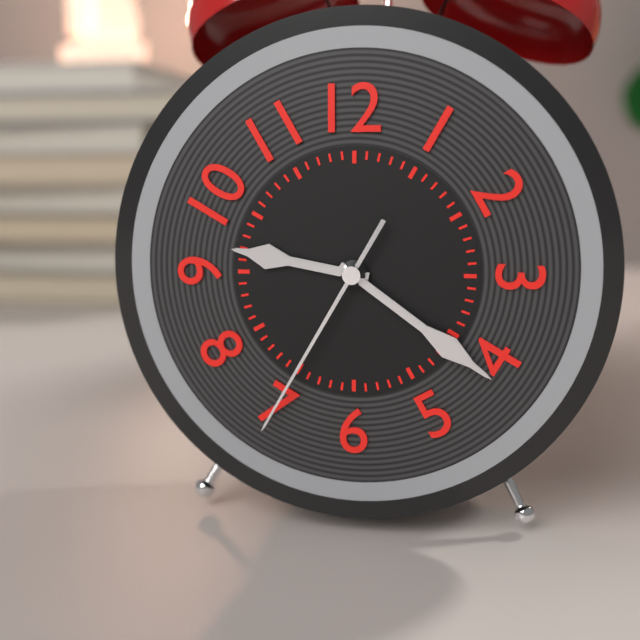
9:21:35
